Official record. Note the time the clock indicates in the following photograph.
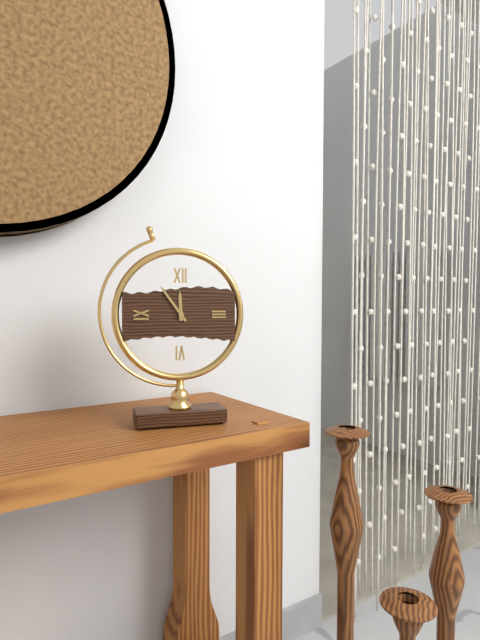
11:54
